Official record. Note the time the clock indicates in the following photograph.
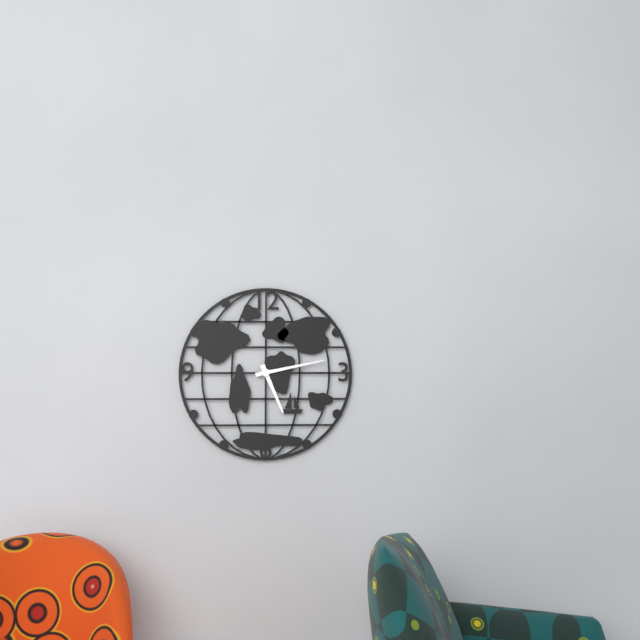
5:13
